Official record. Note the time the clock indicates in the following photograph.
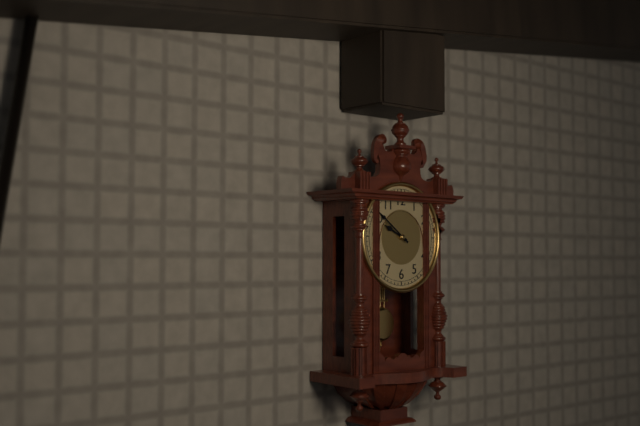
9:51
